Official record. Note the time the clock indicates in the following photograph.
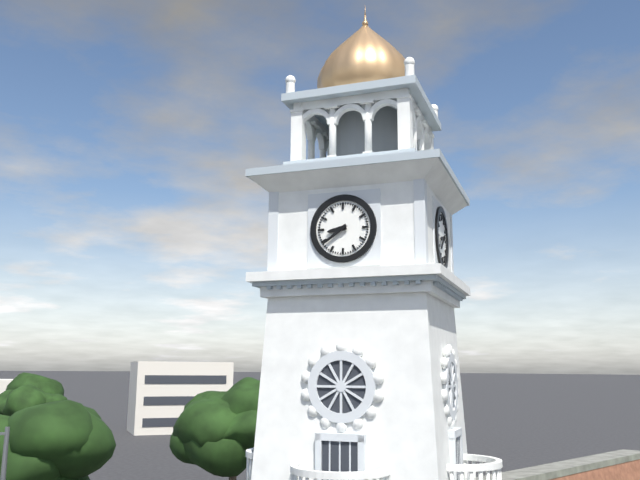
8:39
